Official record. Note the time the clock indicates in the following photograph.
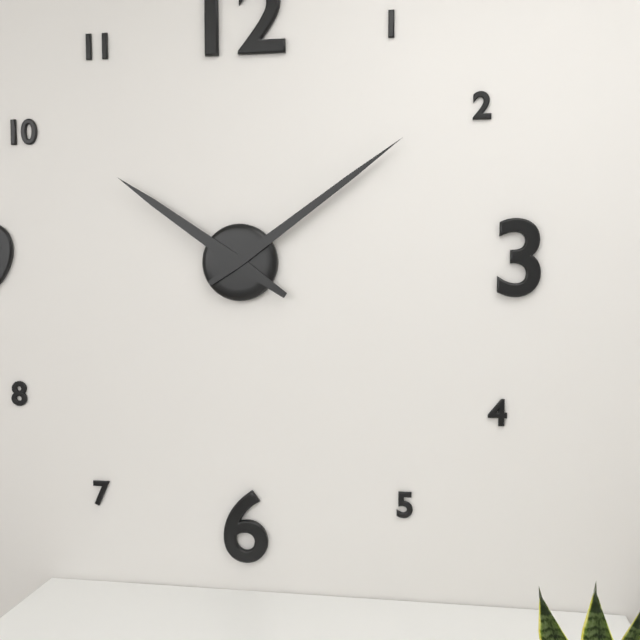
10:09
